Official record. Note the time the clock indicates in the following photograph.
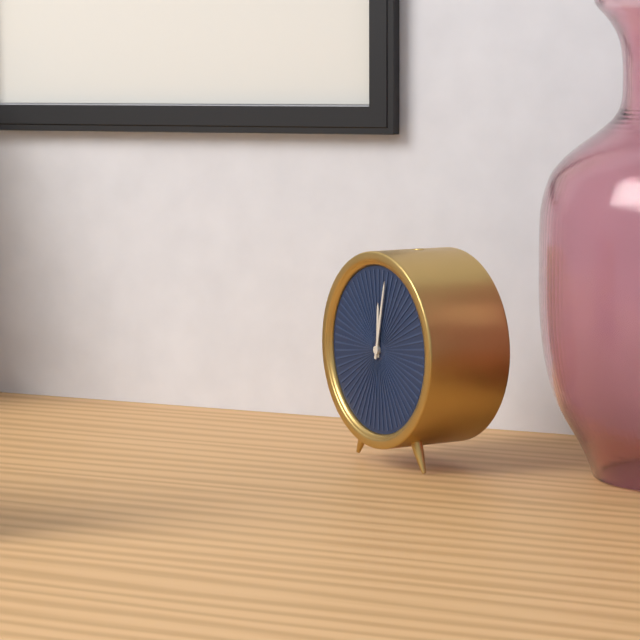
12:02
